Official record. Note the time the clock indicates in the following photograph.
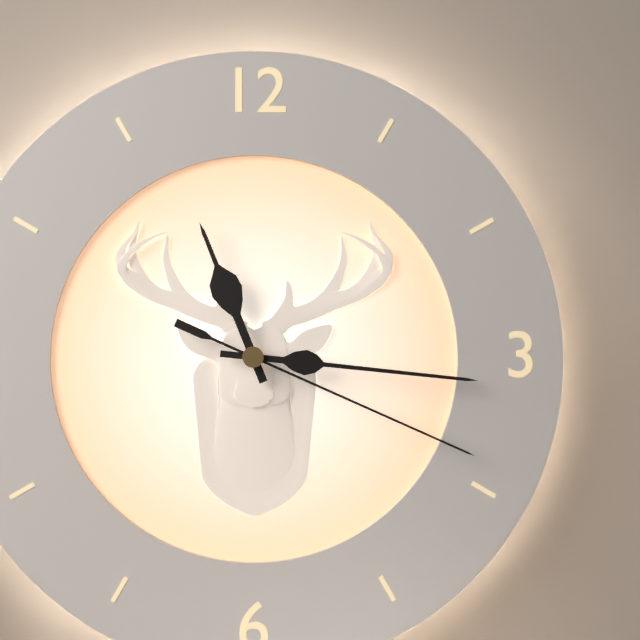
11:16:19
